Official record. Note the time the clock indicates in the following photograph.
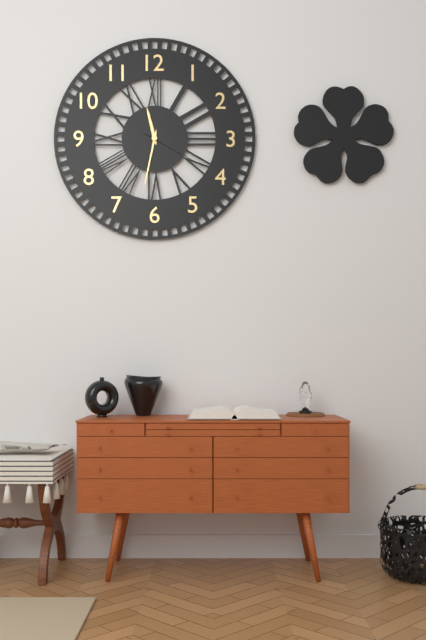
11:32:20
